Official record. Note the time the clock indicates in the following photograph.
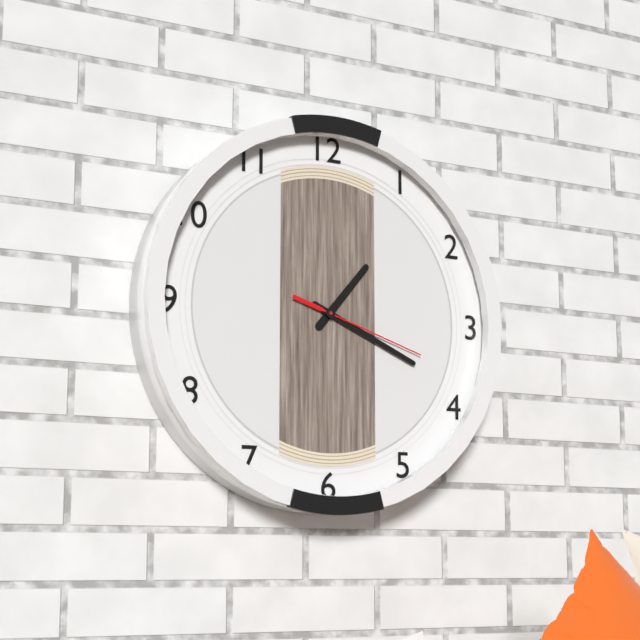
1:19:18
